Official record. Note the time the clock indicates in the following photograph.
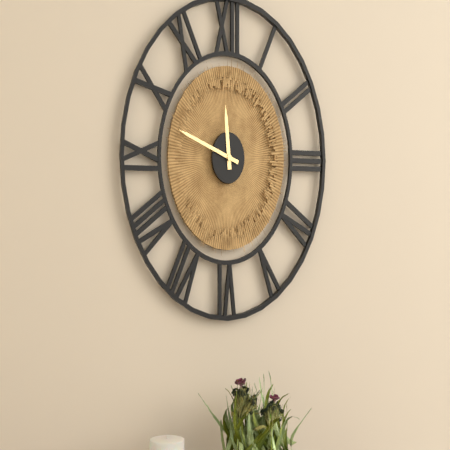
11:48
